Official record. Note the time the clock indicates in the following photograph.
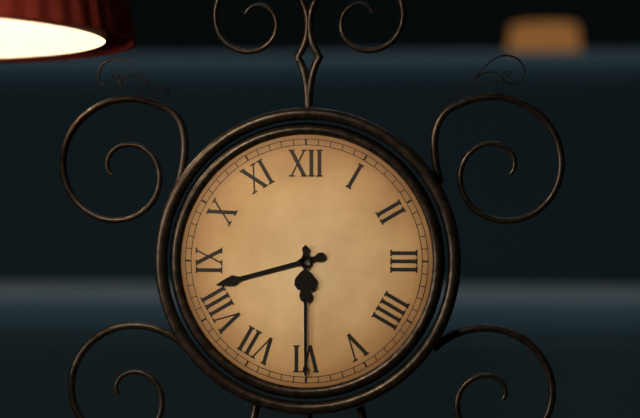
8:30
